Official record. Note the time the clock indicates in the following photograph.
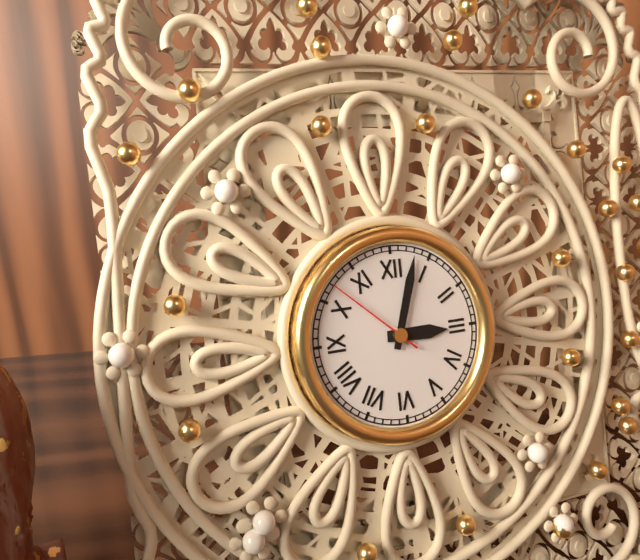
3:03:52
